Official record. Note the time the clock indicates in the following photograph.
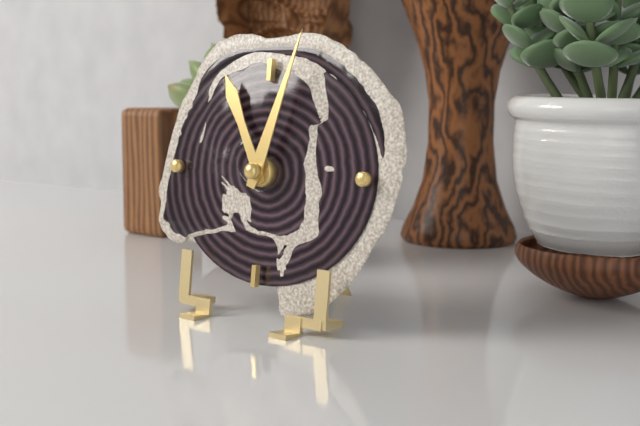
11:03
